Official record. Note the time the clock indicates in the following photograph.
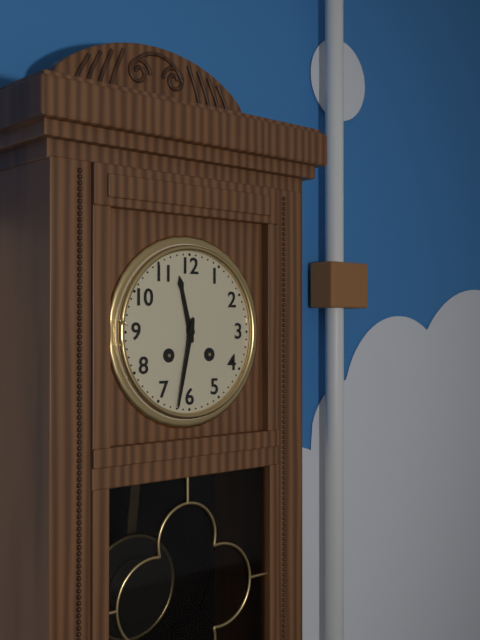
11:32
